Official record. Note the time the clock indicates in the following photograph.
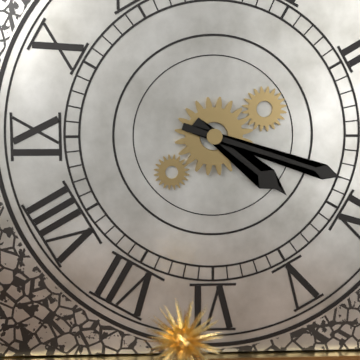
4:18
